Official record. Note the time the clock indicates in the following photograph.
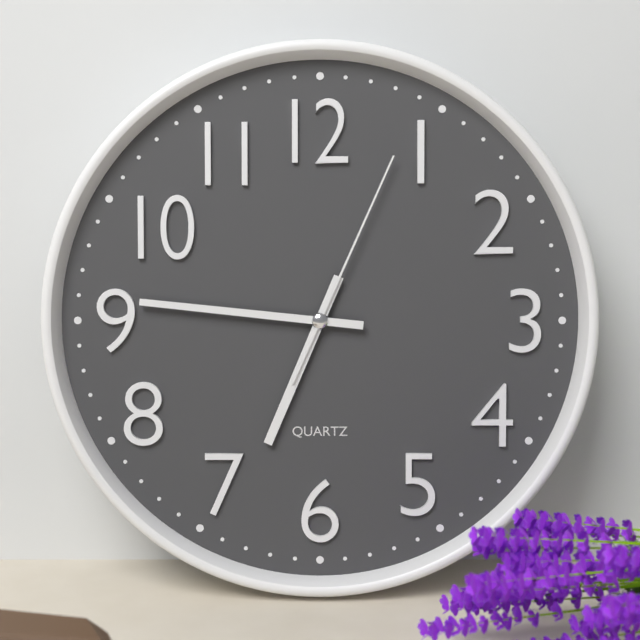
6:46:04
